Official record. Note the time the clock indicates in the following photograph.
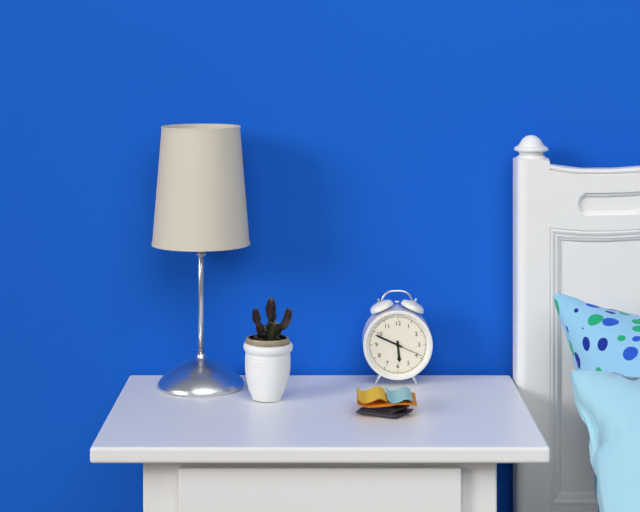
5:49
